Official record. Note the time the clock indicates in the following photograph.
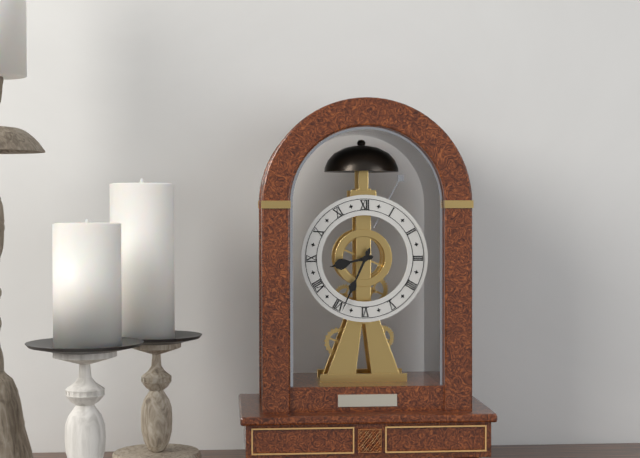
8:34
